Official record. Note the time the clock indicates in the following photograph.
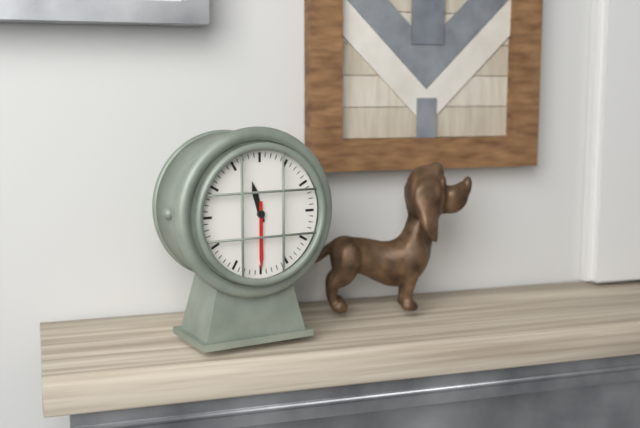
11:30
